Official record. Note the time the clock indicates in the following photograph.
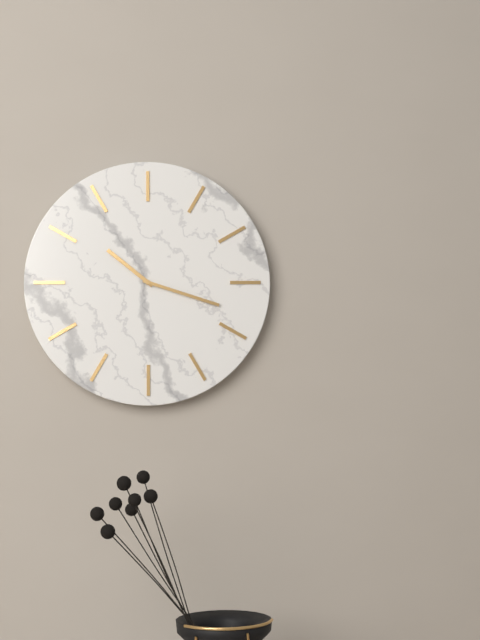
10:18
